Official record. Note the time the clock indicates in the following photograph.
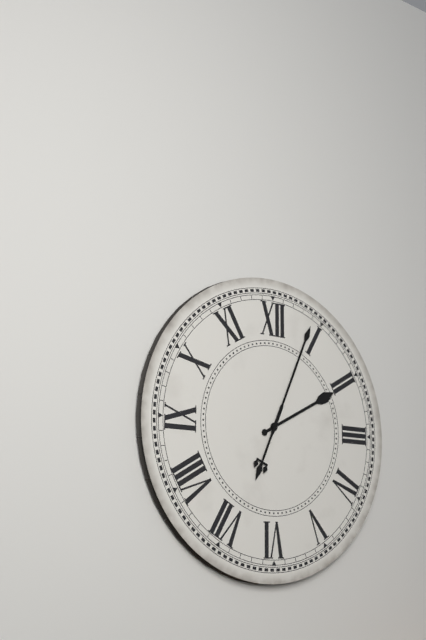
2:04
